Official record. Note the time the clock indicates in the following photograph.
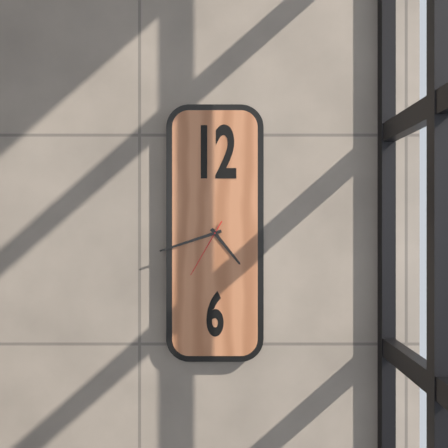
4:42:35
